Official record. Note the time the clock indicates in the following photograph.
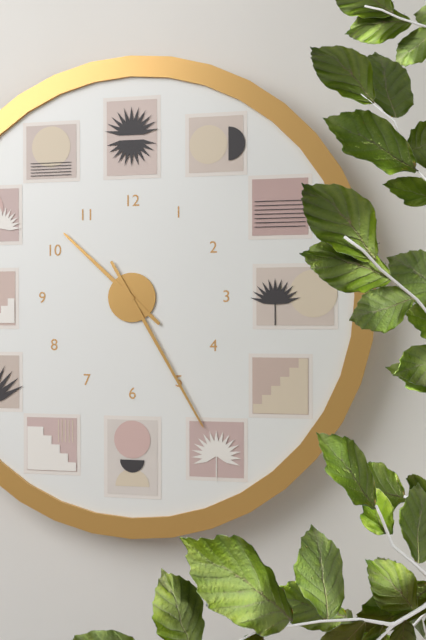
10:25
